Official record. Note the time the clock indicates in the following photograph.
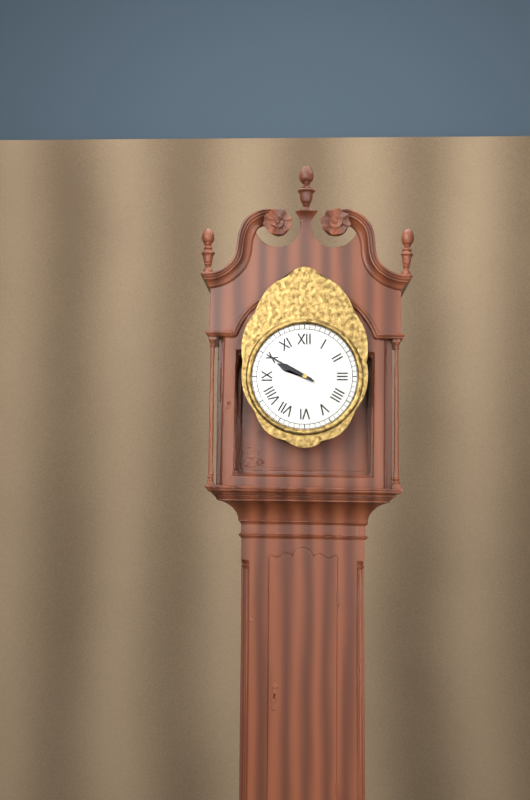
9:50
